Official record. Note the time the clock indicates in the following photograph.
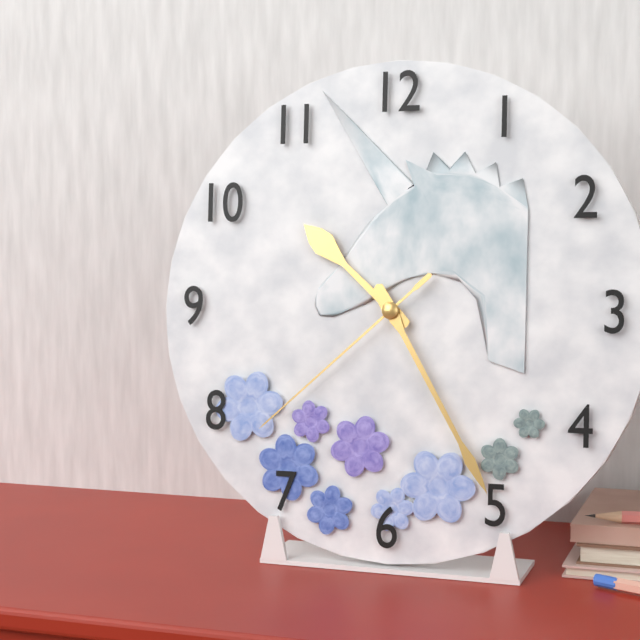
10:25:38
